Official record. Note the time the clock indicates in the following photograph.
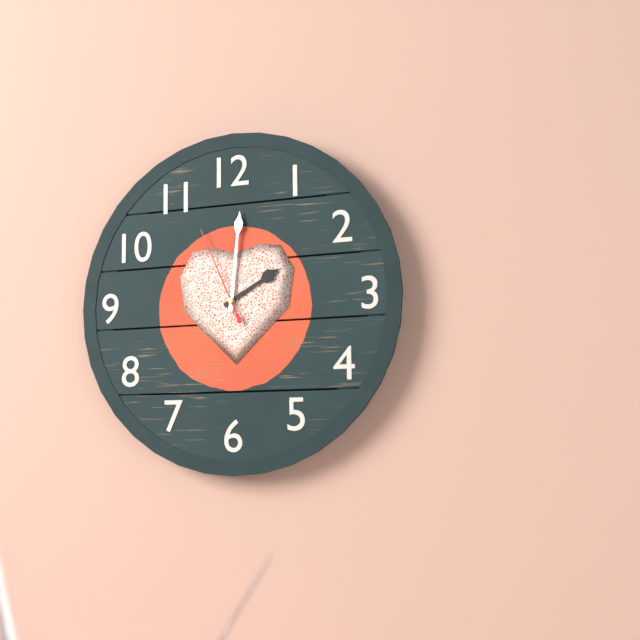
2:01:56
